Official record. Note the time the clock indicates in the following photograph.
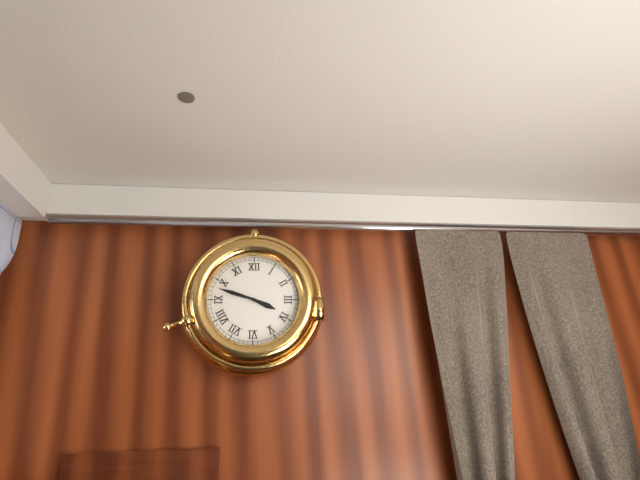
3:48
